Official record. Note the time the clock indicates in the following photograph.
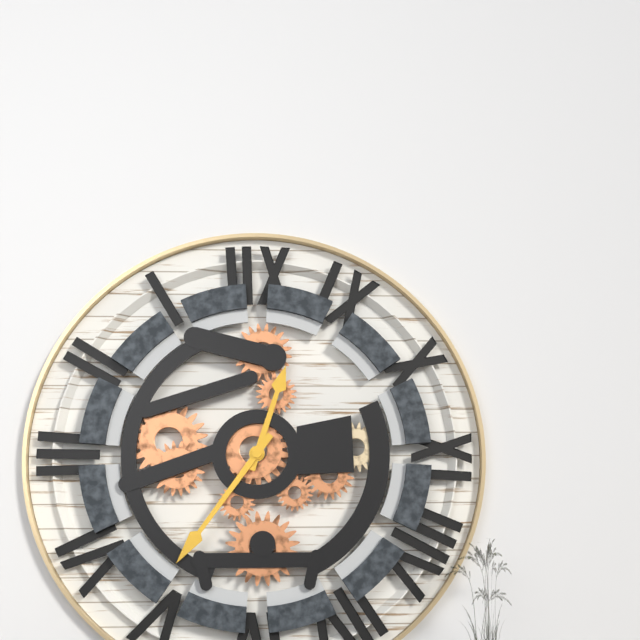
12:36
